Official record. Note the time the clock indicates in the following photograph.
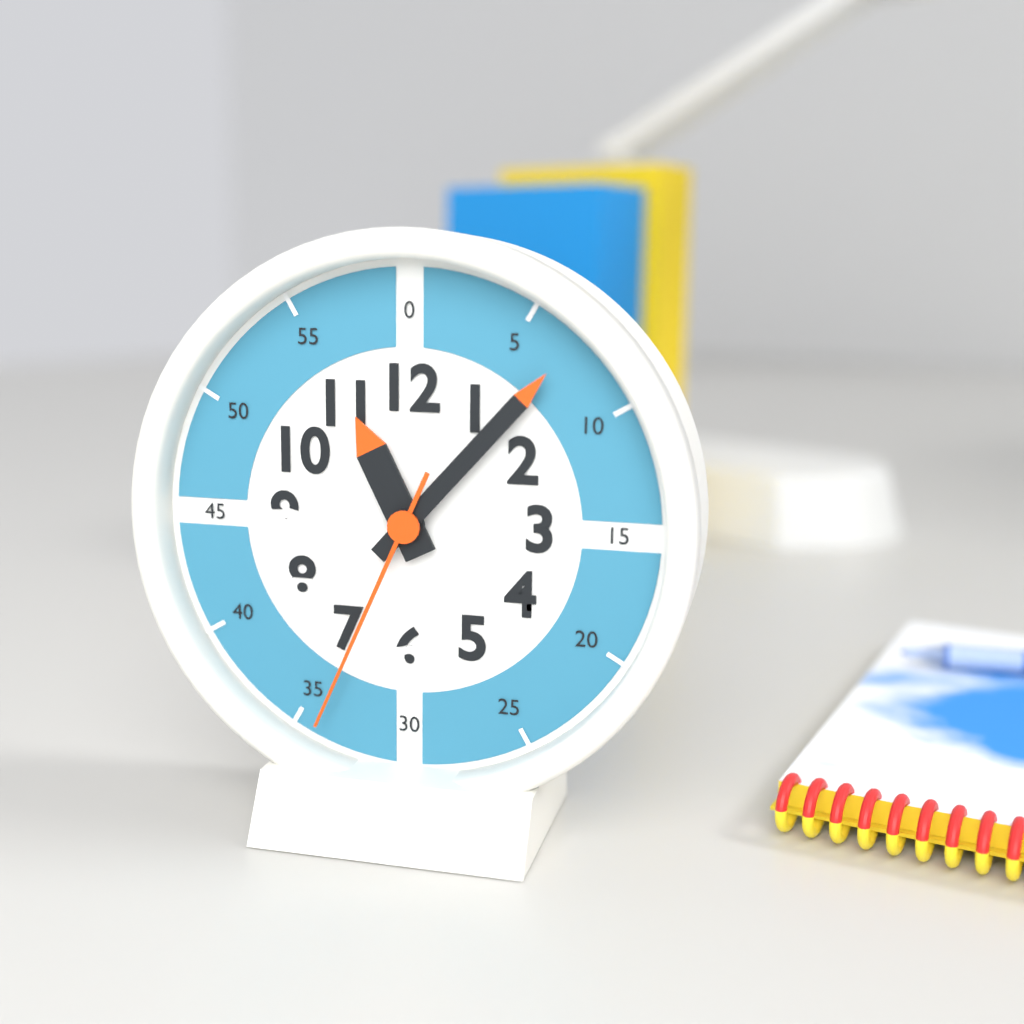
11:07:34
